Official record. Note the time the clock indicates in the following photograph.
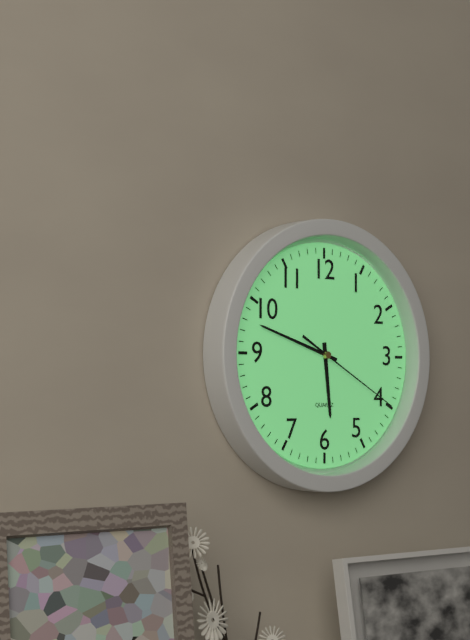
5:48:20
